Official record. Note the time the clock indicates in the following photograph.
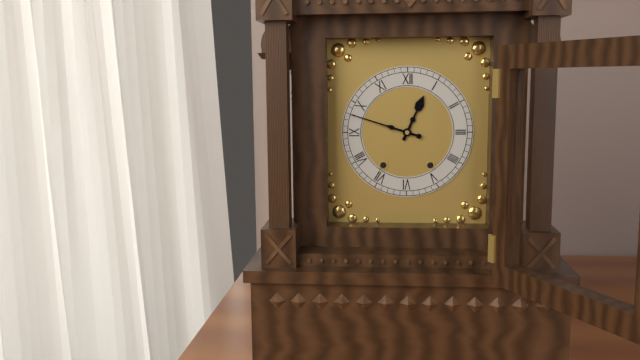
12:48
